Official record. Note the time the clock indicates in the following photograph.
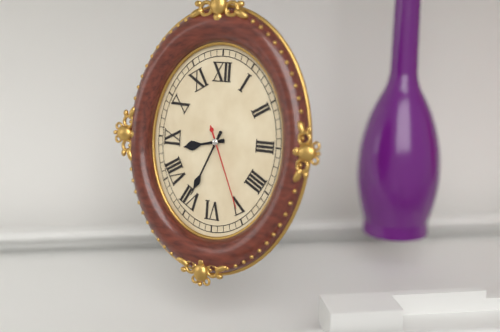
8:34:26
